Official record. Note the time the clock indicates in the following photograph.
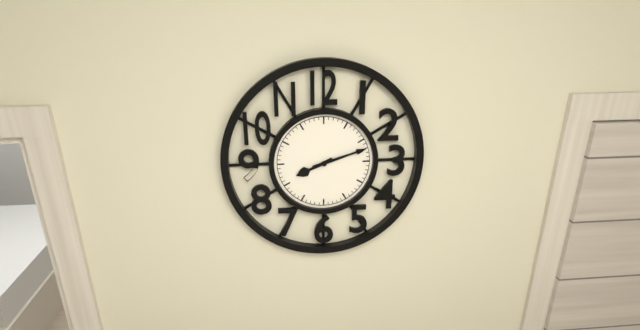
8:12
